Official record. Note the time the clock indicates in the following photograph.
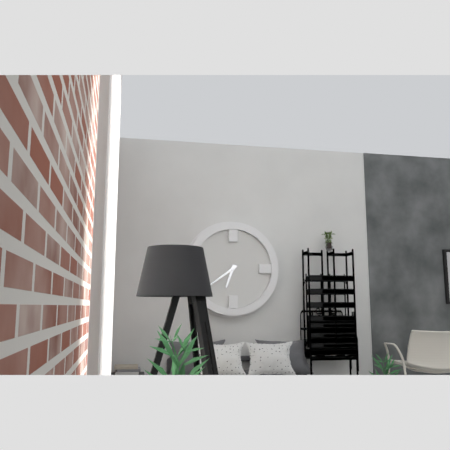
6:39
